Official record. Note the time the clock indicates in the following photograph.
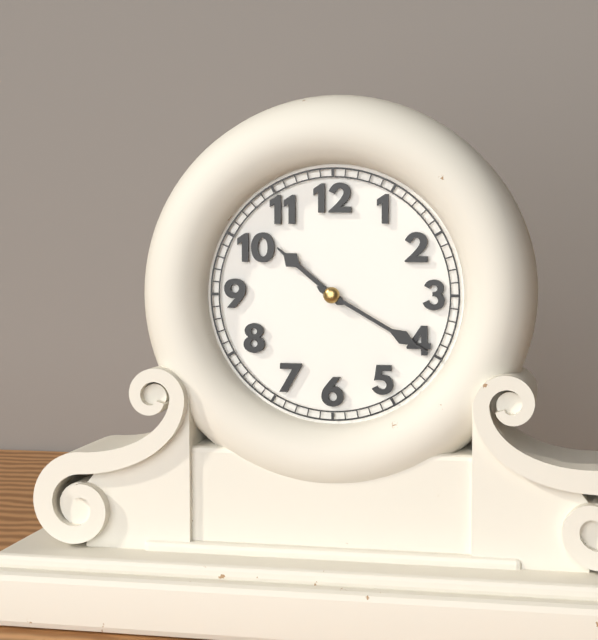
10:20
